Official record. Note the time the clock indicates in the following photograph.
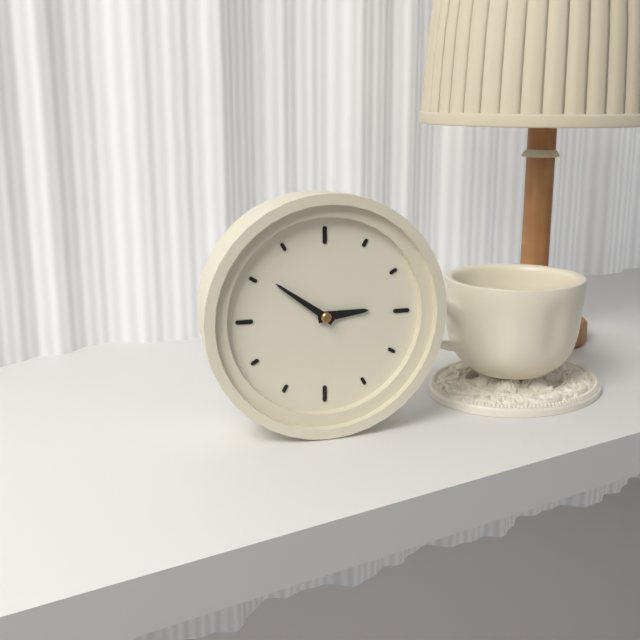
2:51
